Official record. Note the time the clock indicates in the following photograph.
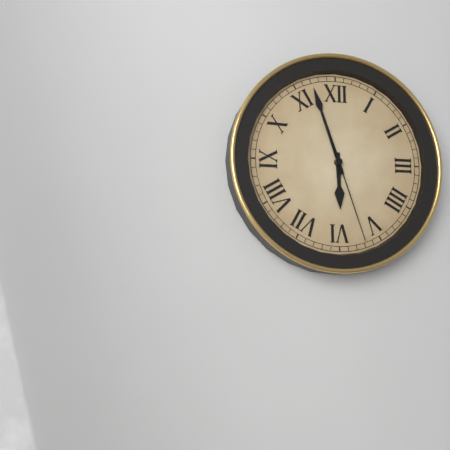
5:57:27
